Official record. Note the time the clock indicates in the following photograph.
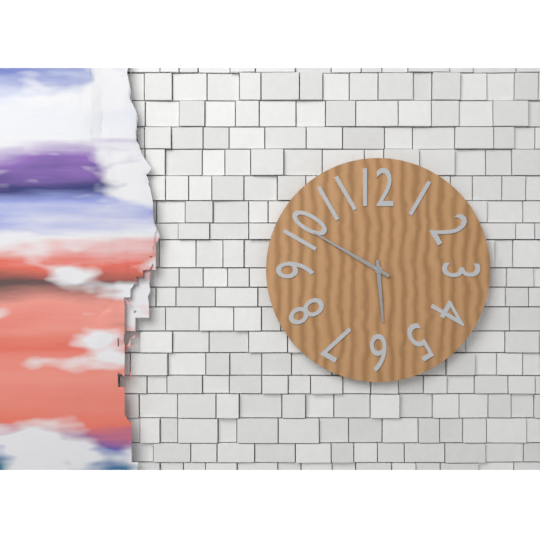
5:50
